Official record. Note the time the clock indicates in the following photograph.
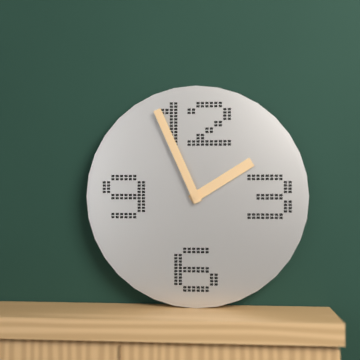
1:56
